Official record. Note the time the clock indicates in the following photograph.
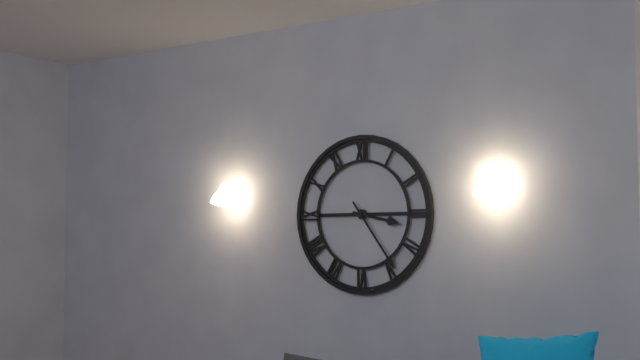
3:24
